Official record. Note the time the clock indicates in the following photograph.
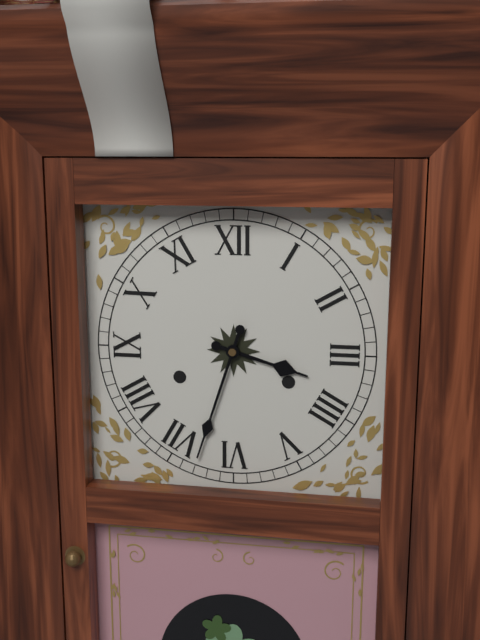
3:33
